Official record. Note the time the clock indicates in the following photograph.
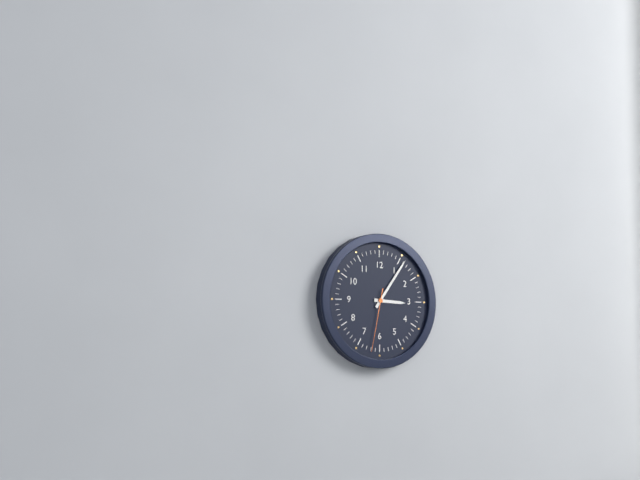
3:06:32
